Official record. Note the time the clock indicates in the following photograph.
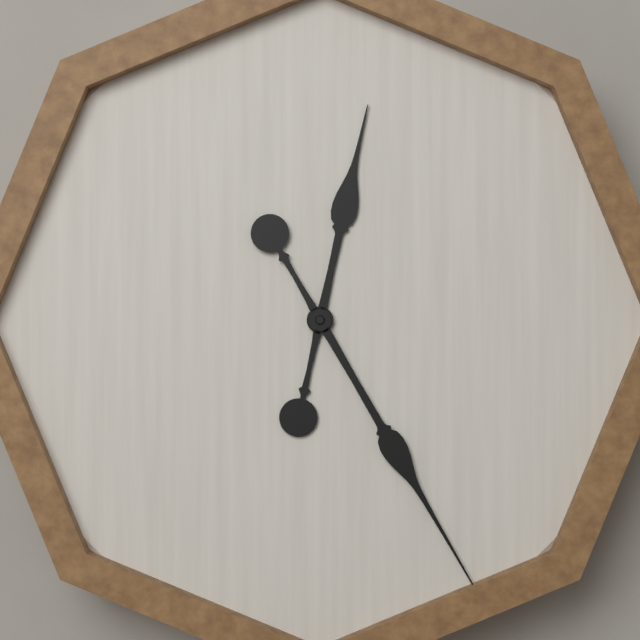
12:25
